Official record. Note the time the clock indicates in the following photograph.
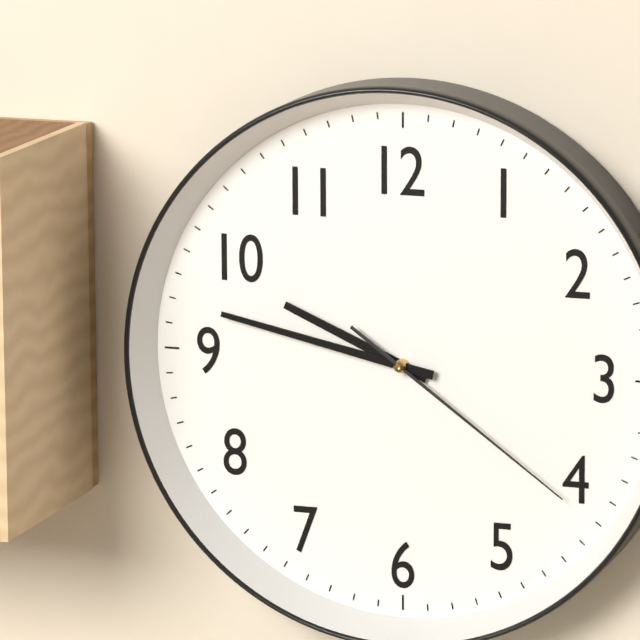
9:47:21
